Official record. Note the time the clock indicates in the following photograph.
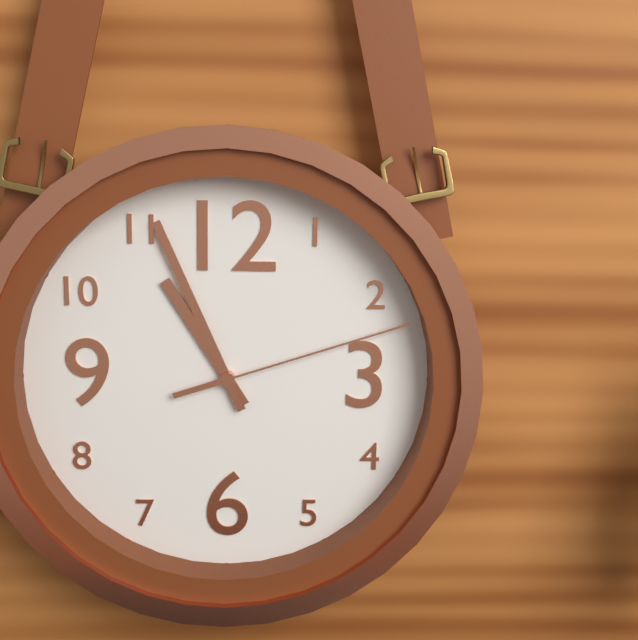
10:56:12
